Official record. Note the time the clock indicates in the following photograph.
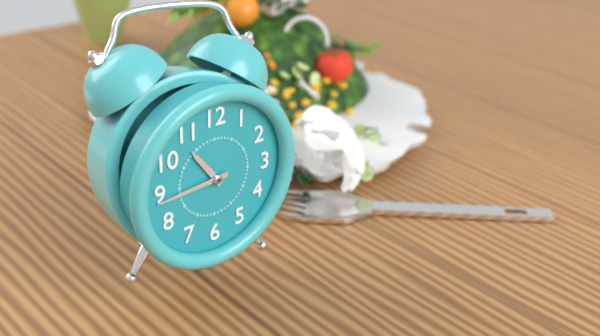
10:44
